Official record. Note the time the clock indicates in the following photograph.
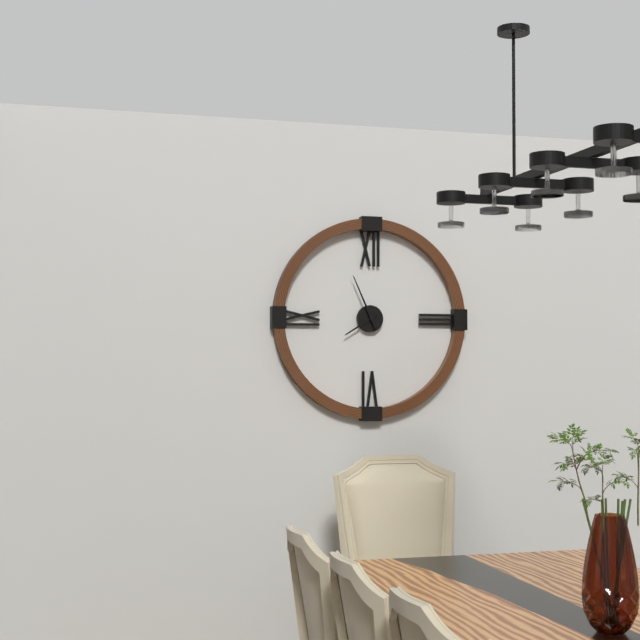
7:56
